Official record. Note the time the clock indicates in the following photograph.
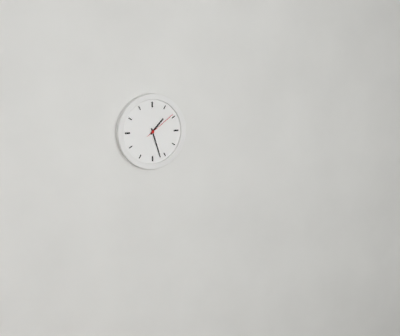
1:27
